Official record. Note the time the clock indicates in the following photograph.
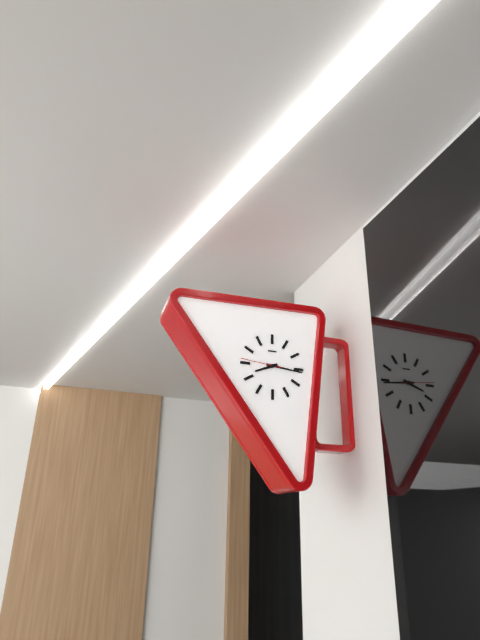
8:16
